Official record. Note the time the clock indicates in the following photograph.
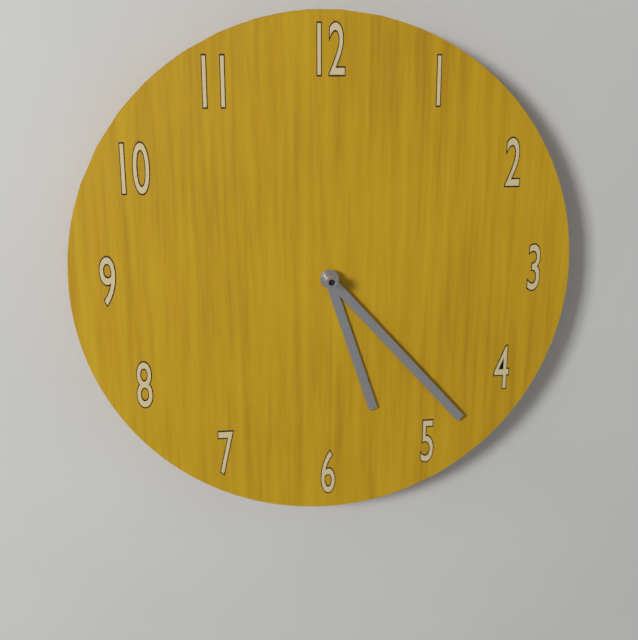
5:23
